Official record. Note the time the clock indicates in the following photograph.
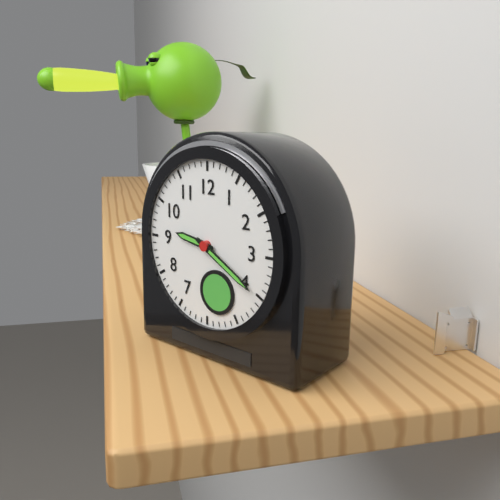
9:20
